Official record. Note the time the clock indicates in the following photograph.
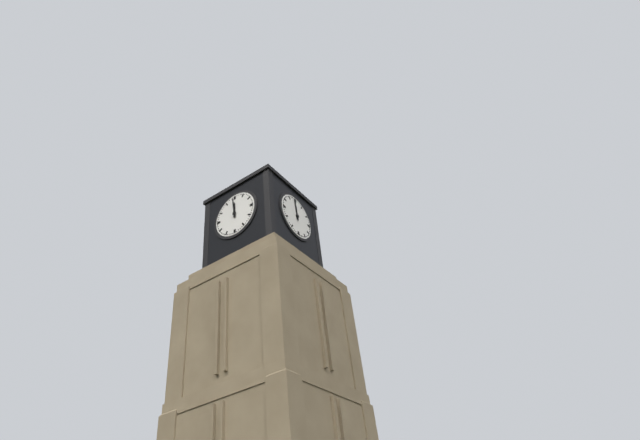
11:59
